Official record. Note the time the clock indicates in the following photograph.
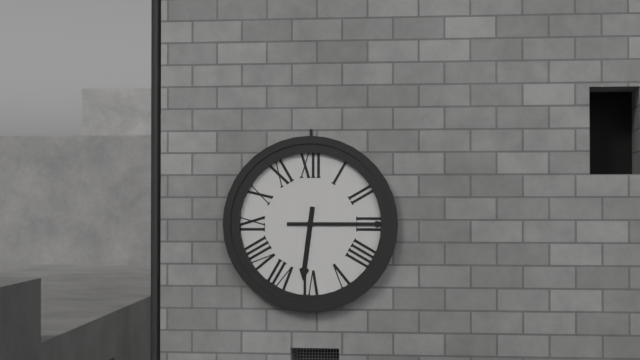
6:15
